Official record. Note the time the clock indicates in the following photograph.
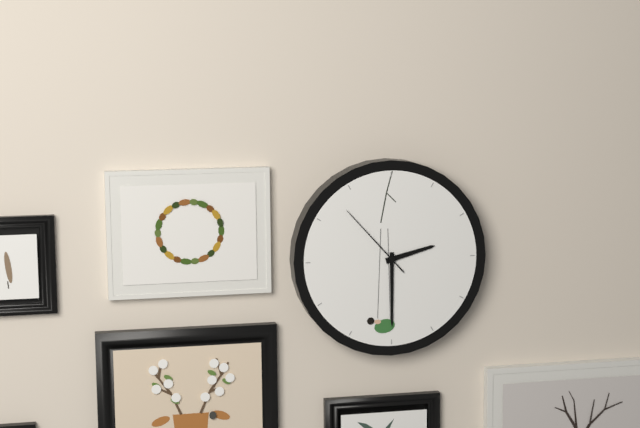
2:30:53
